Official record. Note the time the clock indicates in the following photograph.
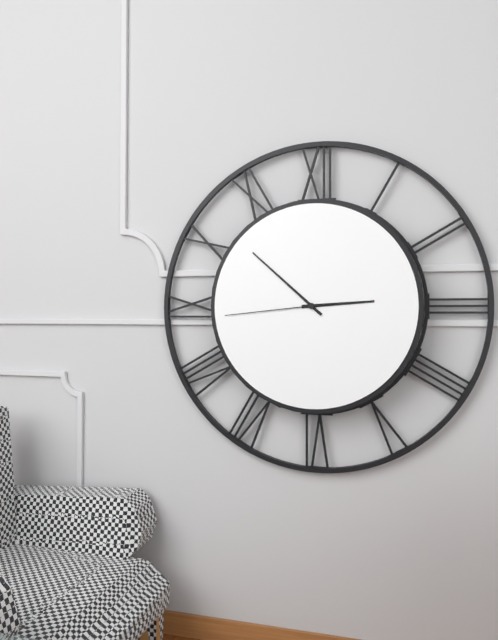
2:52:44
